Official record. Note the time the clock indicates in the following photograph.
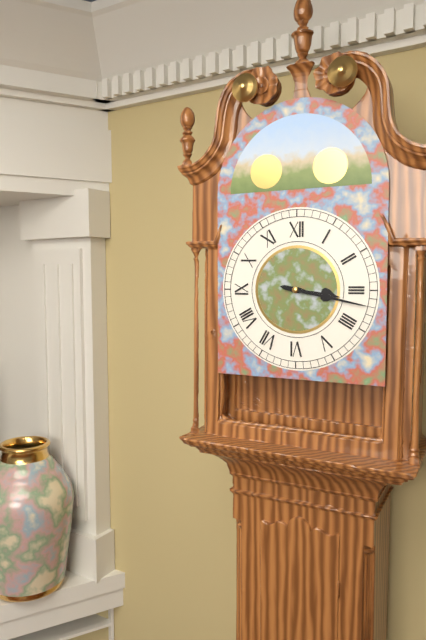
3:17
